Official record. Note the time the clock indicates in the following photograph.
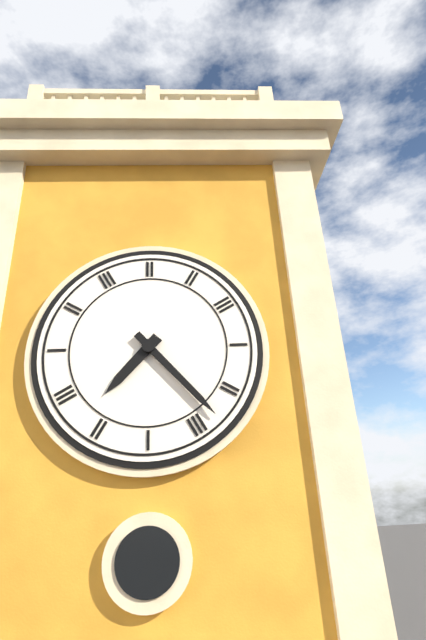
7:23
